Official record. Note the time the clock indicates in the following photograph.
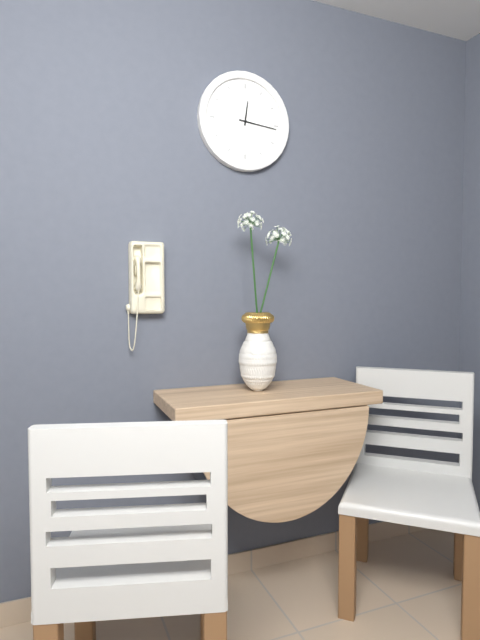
12:16
